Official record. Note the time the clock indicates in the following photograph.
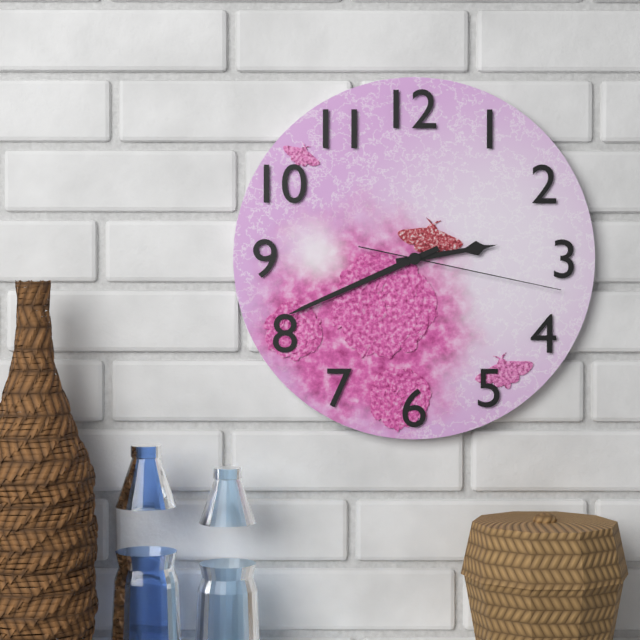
2:41:17
